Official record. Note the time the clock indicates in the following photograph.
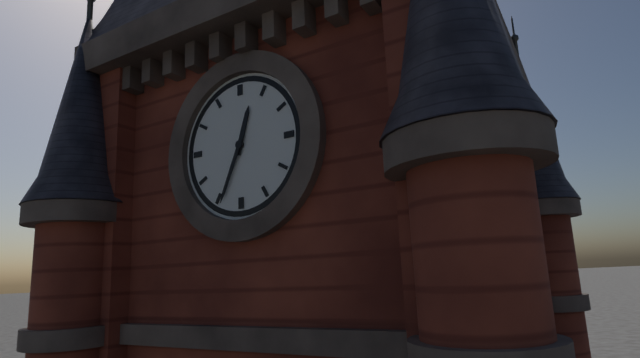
12:34
